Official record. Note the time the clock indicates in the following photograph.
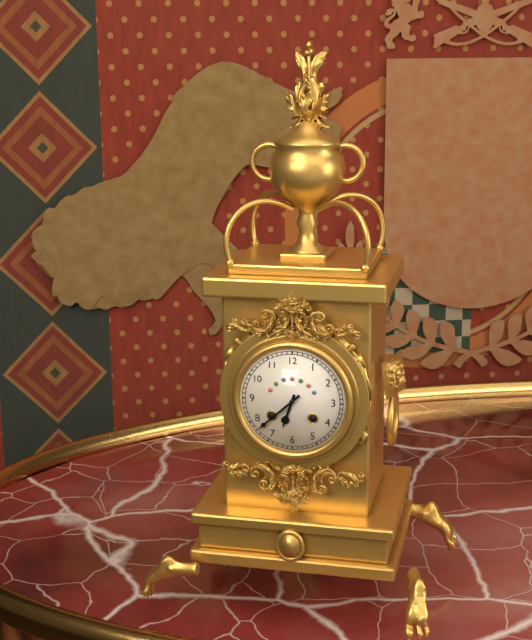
6:38
